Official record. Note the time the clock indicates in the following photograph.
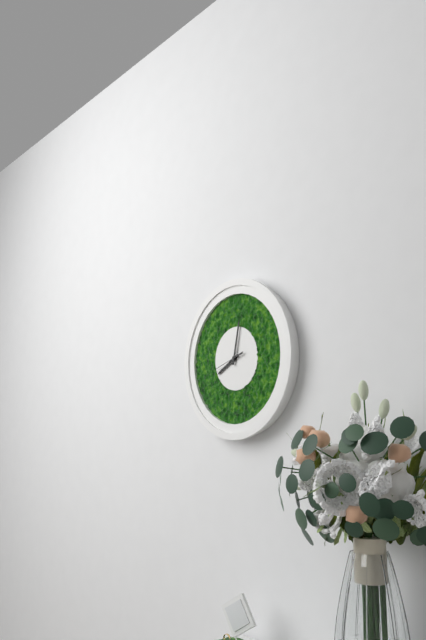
8:02
